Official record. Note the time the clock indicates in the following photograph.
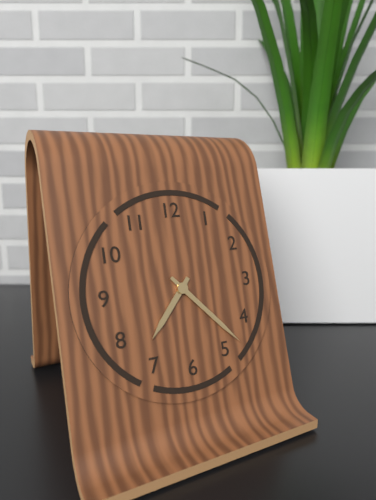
7:23
